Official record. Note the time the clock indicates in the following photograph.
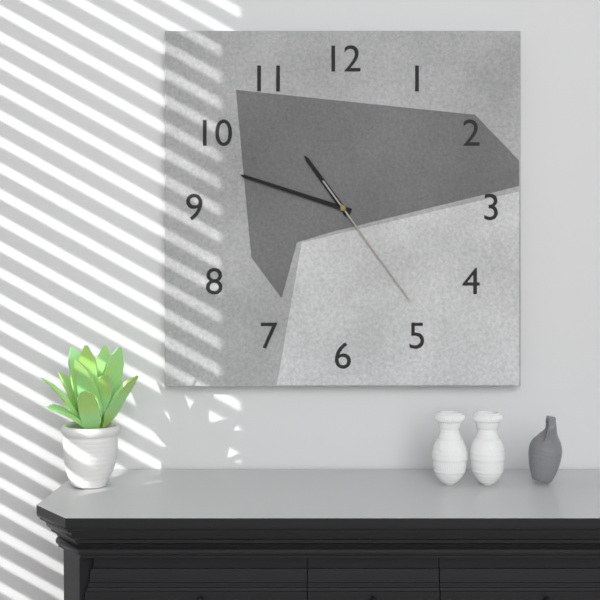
10:48:24
